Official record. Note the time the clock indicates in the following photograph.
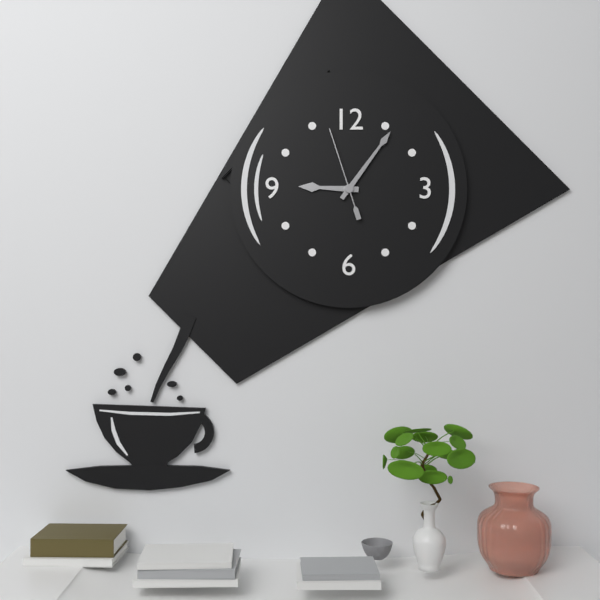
9:06:57
